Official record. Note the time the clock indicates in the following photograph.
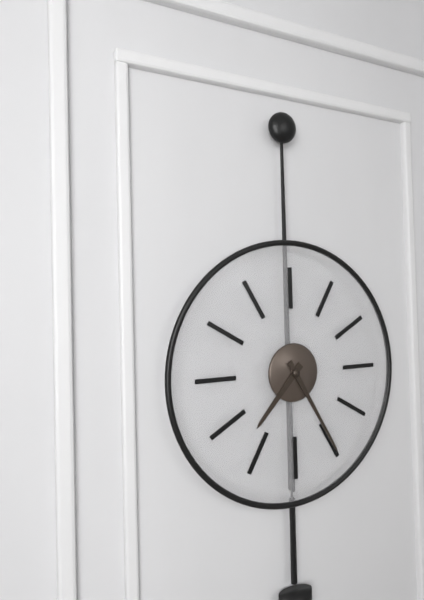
7:25
